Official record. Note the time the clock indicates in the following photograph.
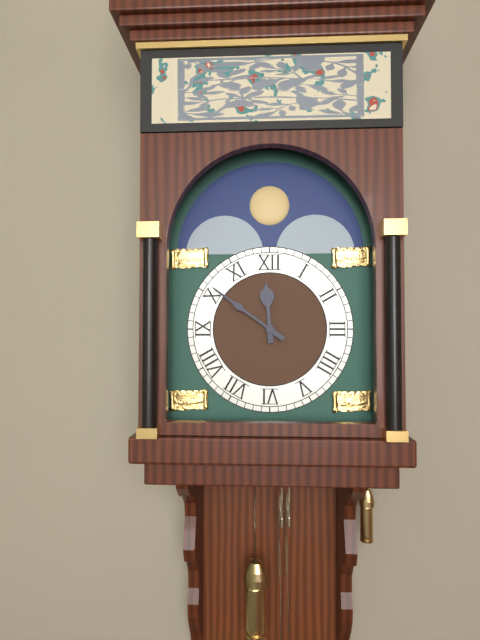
11:51
